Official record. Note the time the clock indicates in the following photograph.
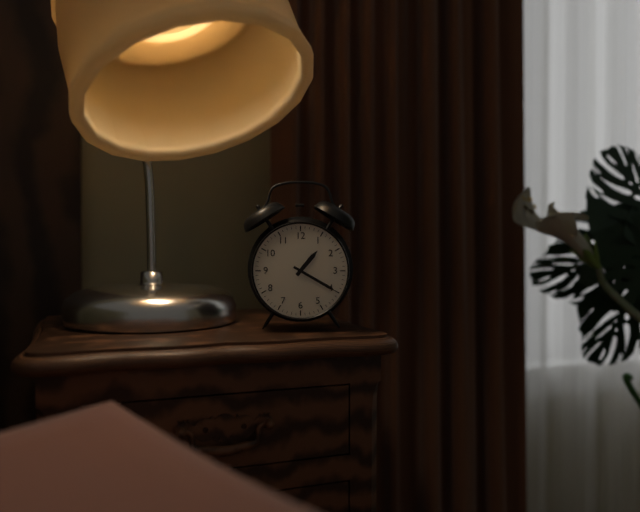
1:20
